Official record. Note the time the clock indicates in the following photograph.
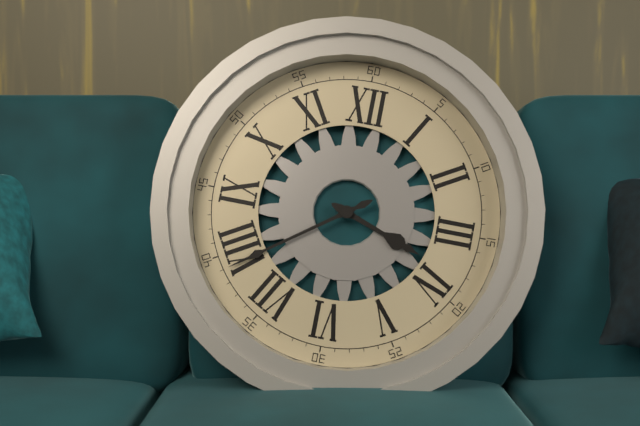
3:39
